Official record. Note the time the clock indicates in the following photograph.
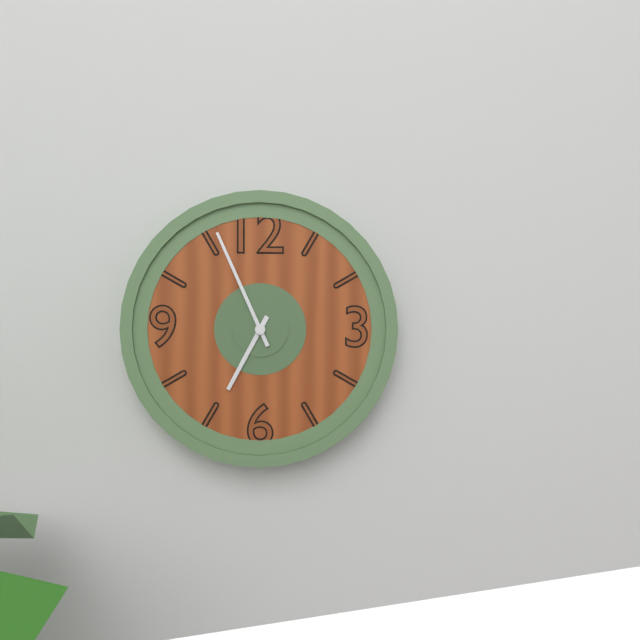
6:56
